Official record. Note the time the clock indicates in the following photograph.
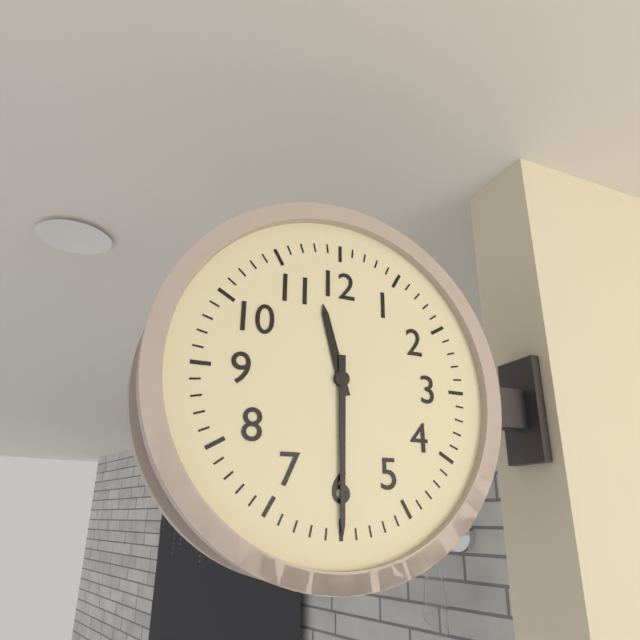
11:30
